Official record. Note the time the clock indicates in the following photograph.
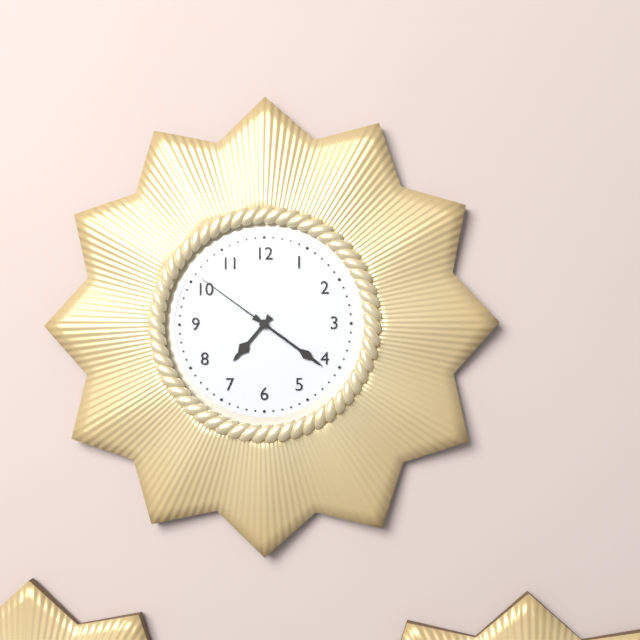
7:21:51
